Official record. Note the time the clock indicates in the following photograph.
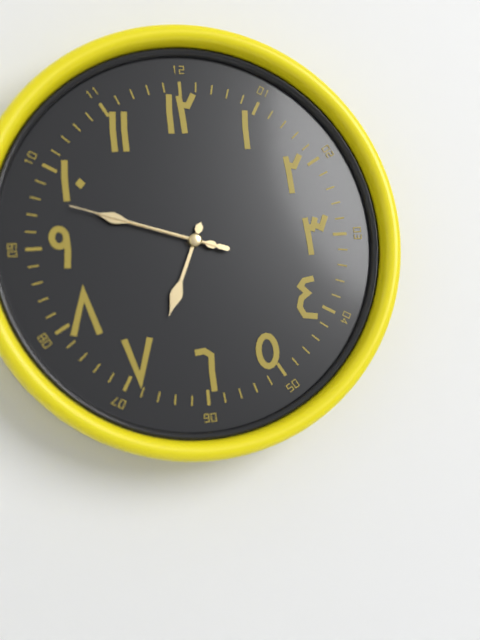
6:48:48
